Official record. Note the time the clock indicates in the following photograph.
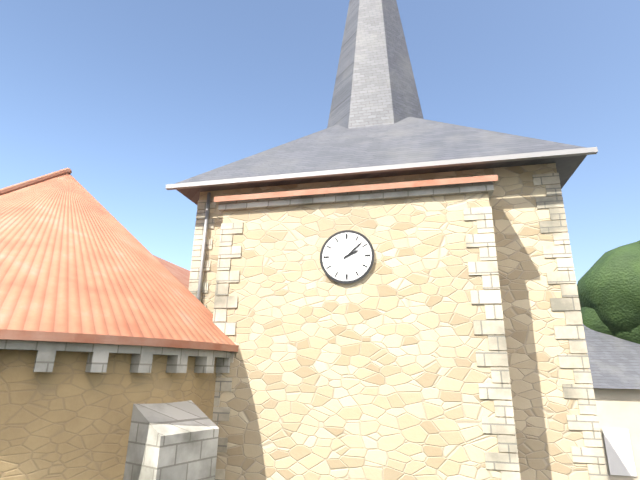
2:08
